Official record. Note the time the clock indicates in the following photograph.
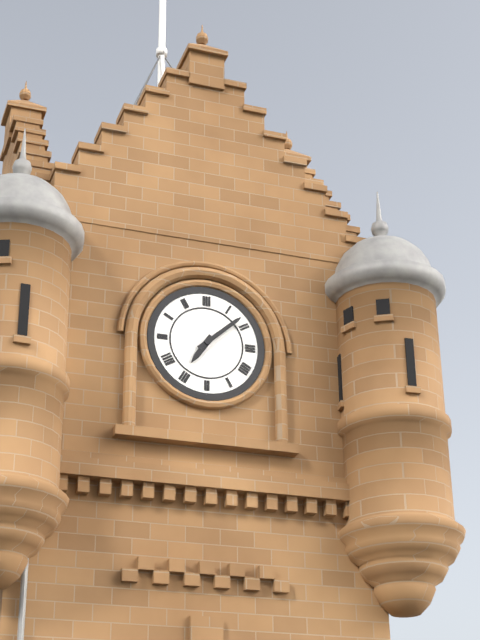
7:08
